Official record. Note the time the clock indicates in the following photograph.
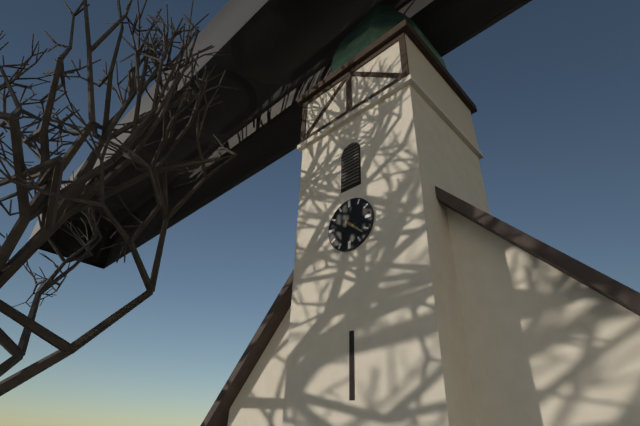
4:22
